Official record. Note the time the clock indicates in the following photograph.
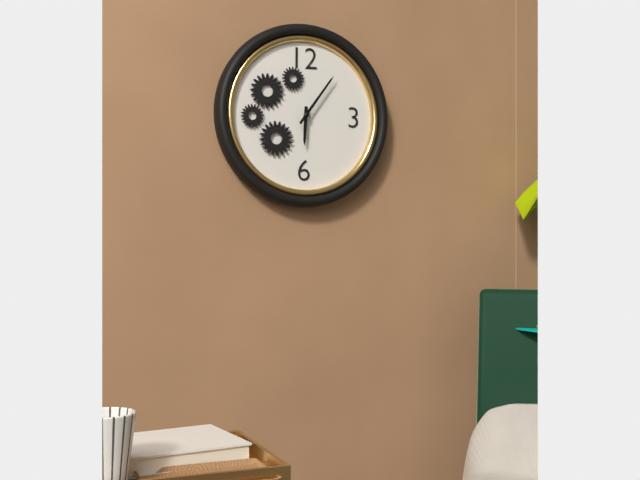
6:06
